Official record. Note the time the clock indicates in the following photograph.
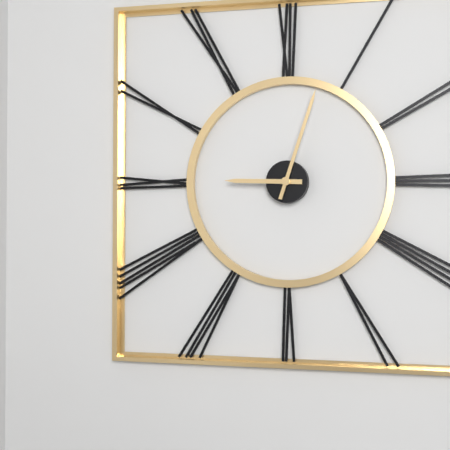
9:03
